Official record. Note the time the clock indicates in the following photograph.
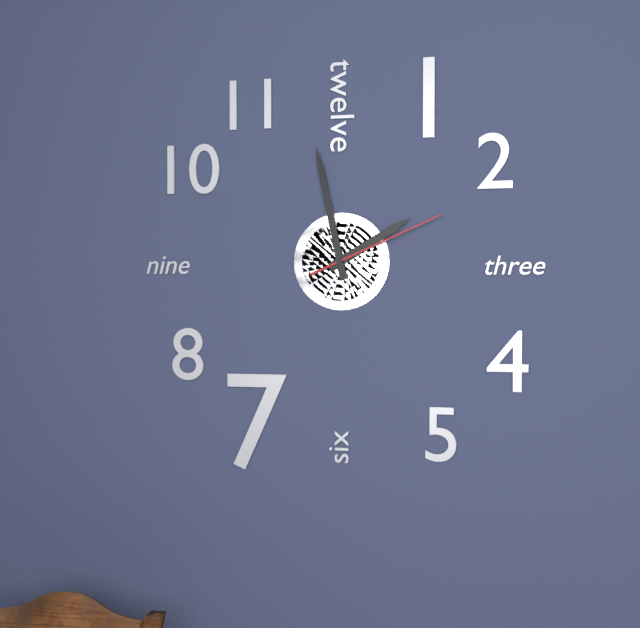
1:58:11
